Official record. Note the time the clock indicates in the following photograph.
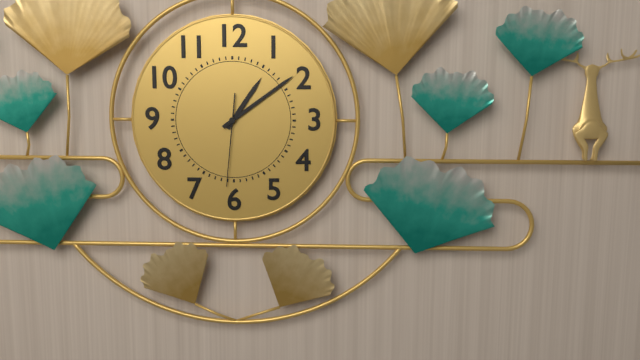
1:09:31
